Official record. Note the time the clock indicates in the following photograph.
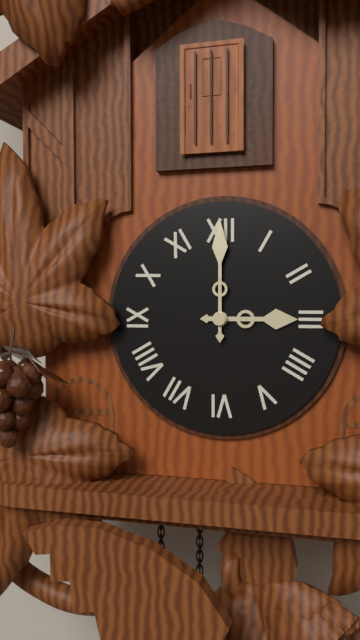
3:00
